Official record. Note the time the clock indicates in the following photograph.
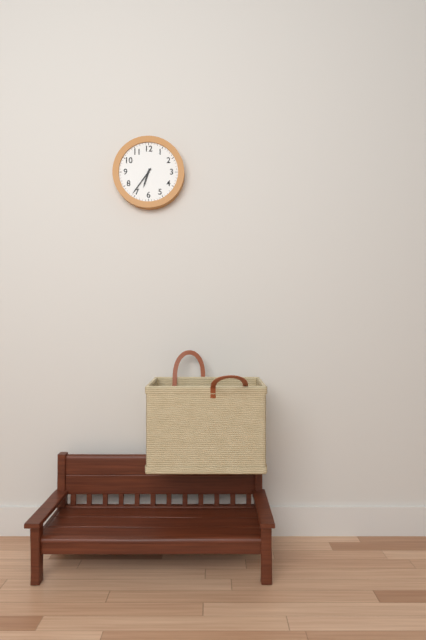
6:36
